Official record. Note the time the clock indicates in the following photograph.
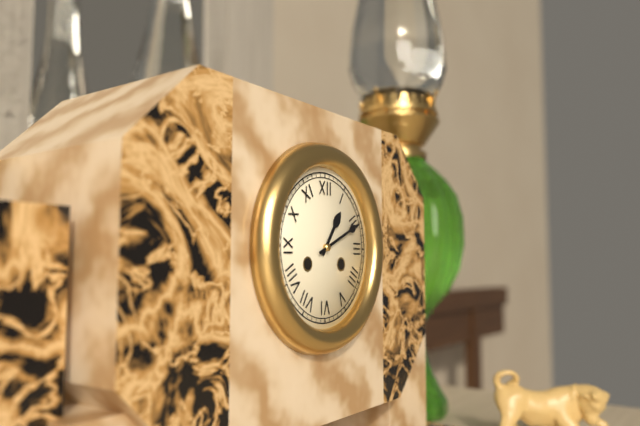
1:11
